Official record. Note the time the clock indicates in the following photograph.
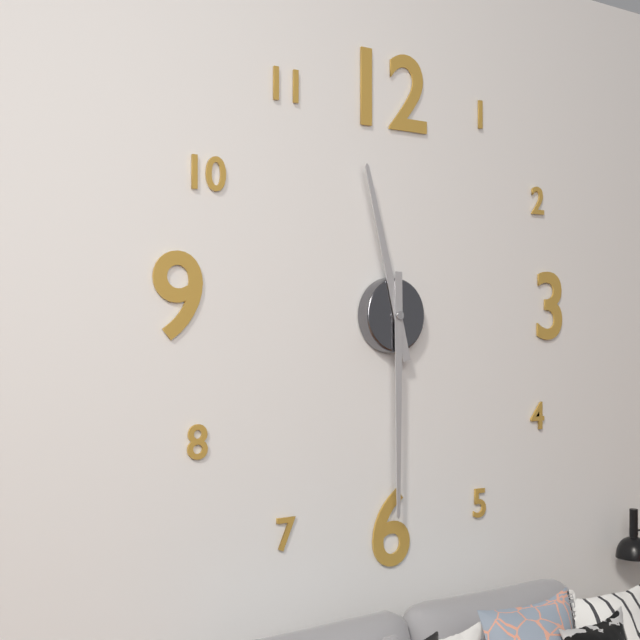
11:30
